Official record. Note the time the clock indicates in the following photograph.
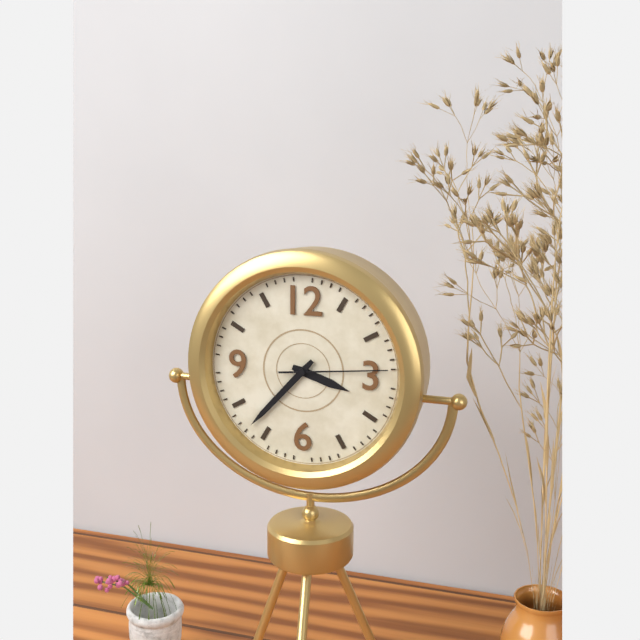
3:37:14
